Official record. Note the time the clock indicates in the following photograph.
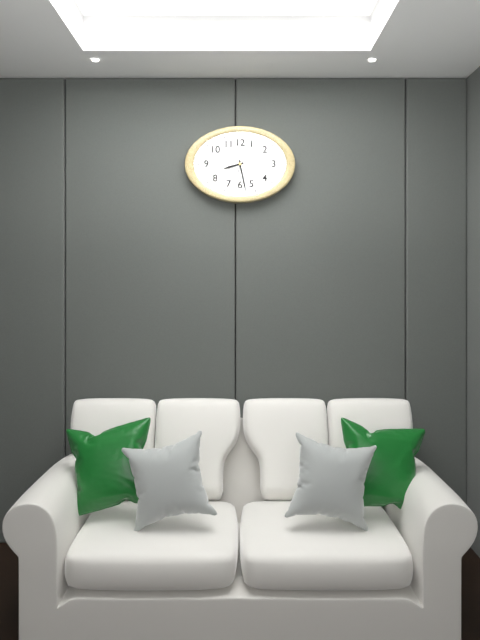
8:28
